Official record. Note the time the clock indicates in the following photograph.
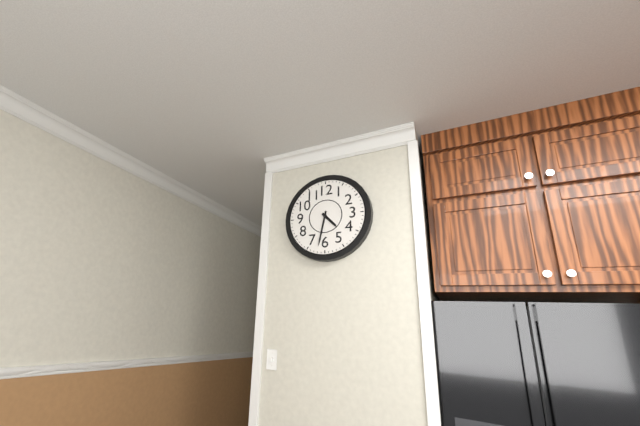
4:32
